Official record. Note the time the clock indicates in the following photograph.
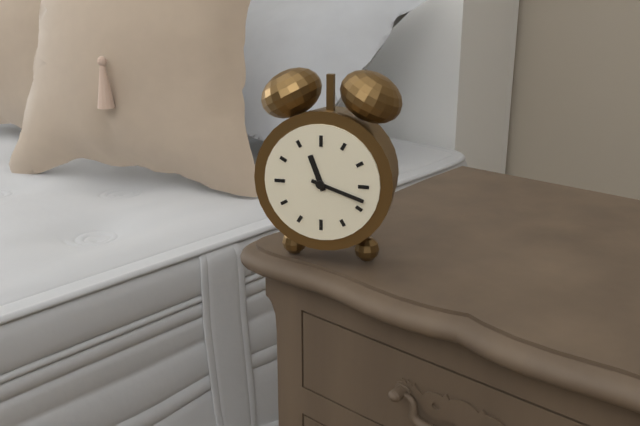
11:18
